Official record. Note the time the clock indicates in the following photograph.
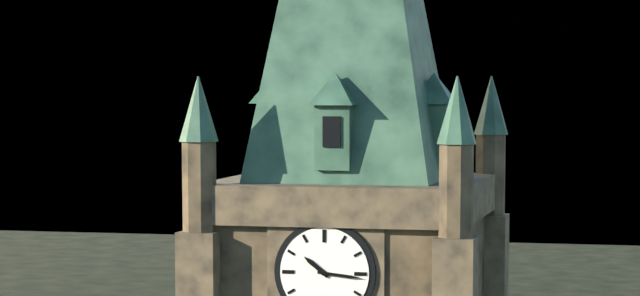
10:16
